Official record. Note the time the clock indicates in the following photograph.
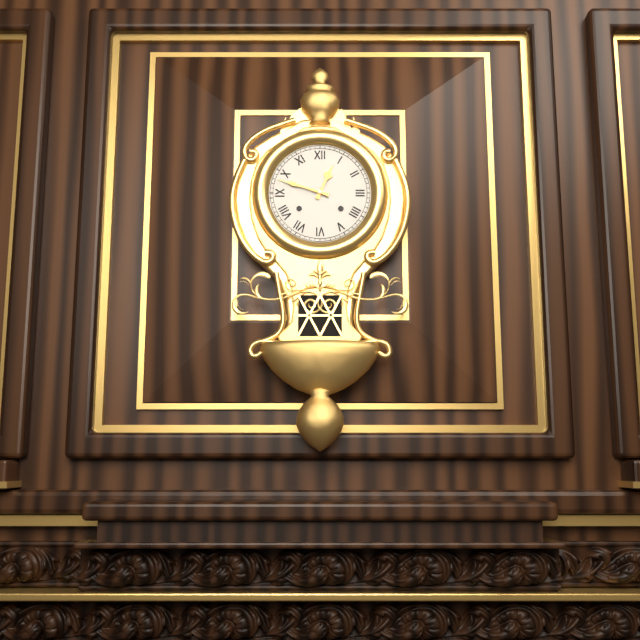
12:48
